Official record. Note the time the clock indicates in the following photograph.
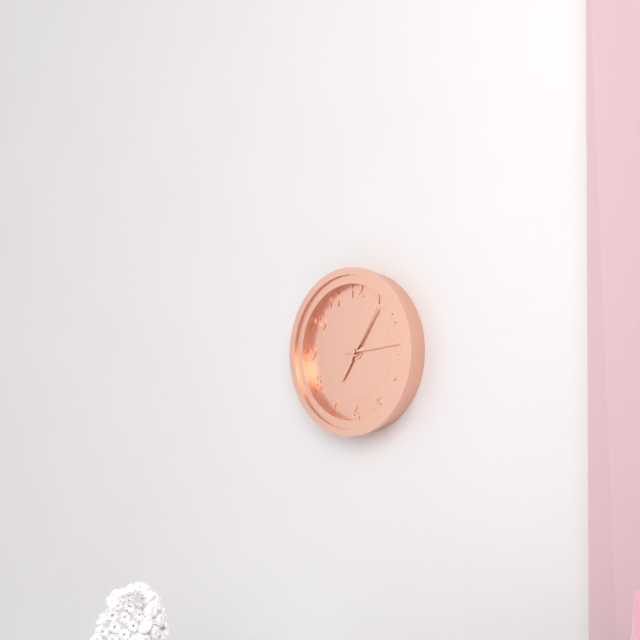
7:06:14
